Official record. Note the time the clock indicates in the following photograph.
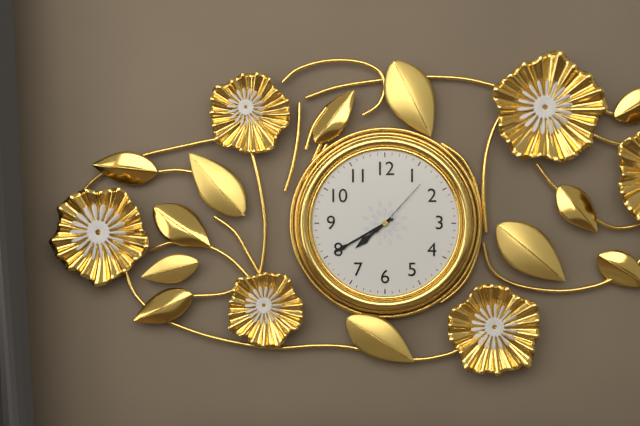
7:40:07
